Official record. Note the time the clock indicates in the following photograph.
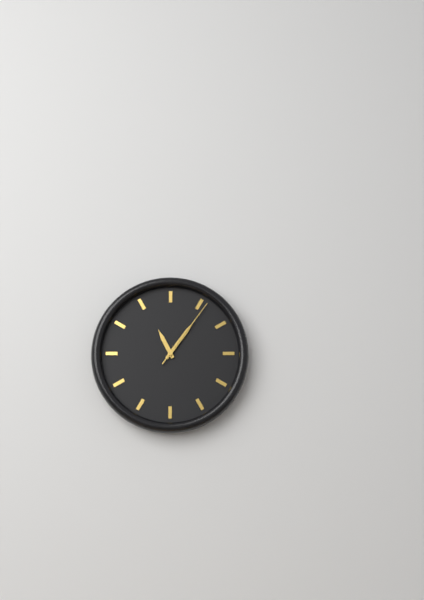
11:06:06
